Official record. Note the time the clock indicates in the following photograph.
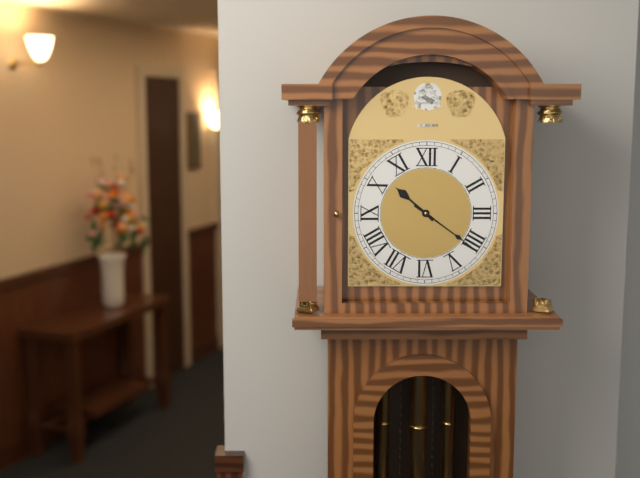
10:21
